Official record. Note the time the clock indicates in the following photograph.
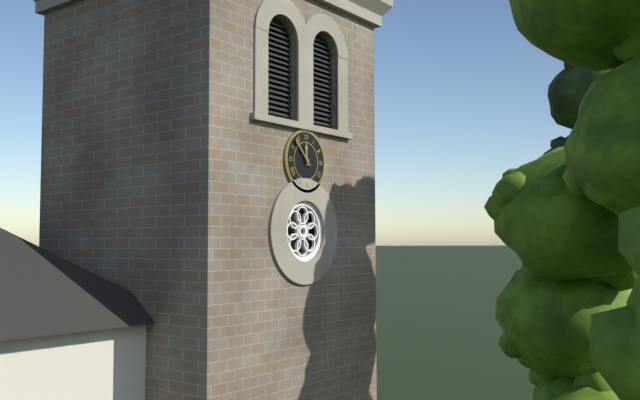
11:53
